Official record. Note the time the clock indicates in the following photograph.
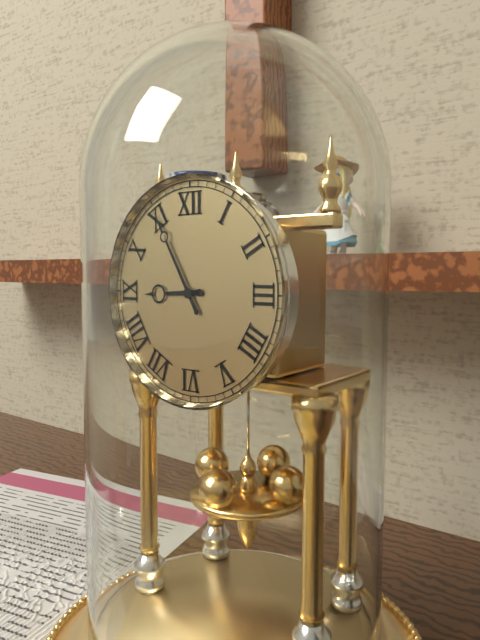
8:55
